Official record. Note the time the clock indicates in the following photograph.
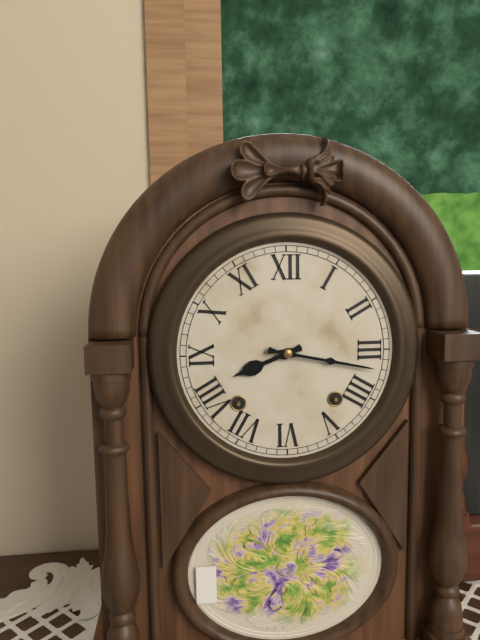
8:17
